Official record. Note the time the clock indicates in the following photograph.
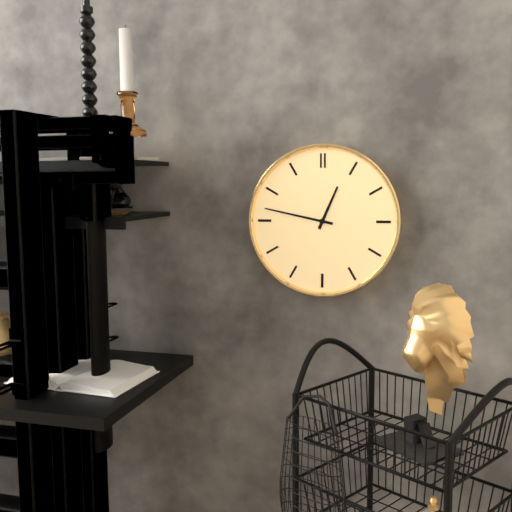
12:47
